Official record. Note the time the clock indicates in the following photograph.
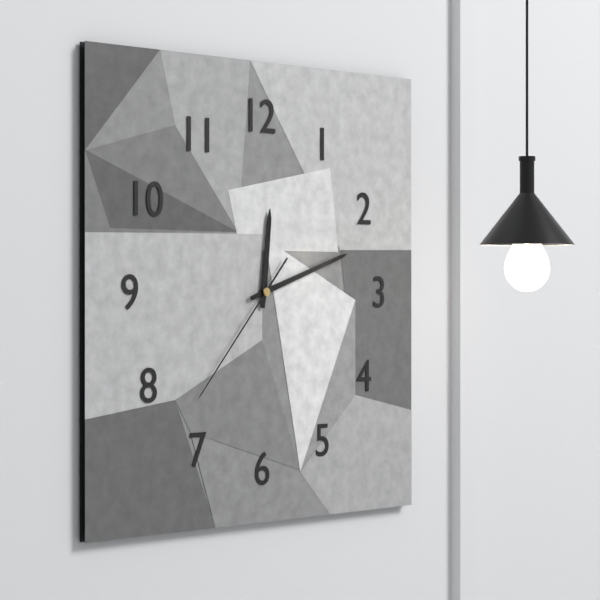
12:12:37
